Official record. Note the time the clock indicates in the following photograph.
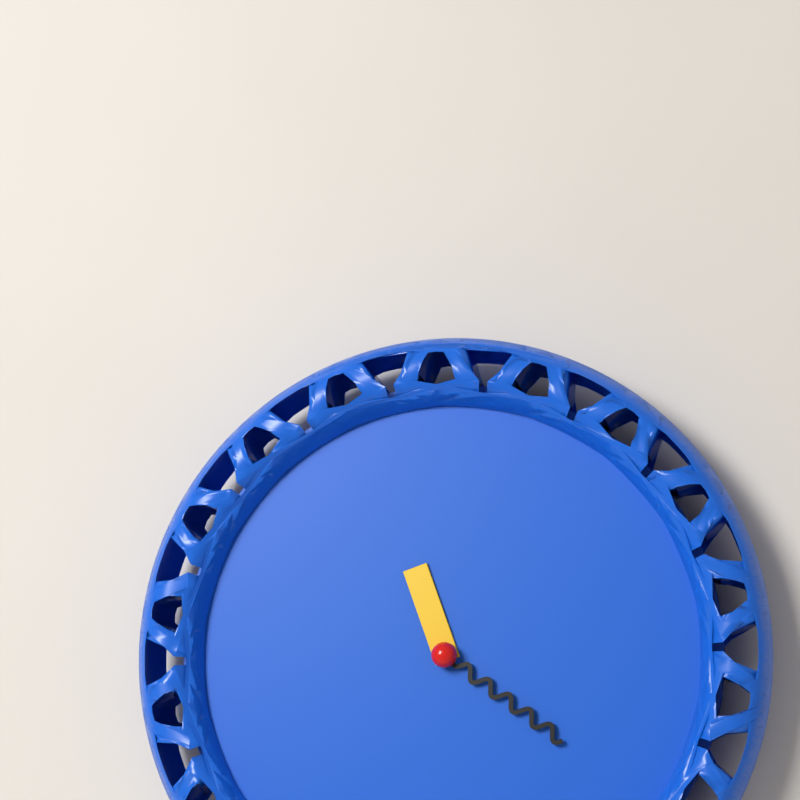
11:21
